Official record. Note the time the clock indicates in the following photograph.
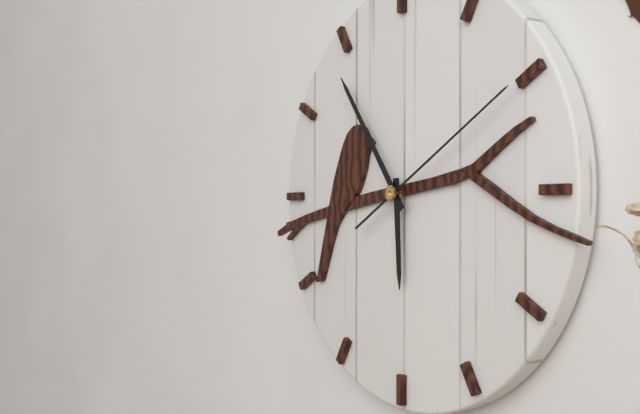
5:54:10
